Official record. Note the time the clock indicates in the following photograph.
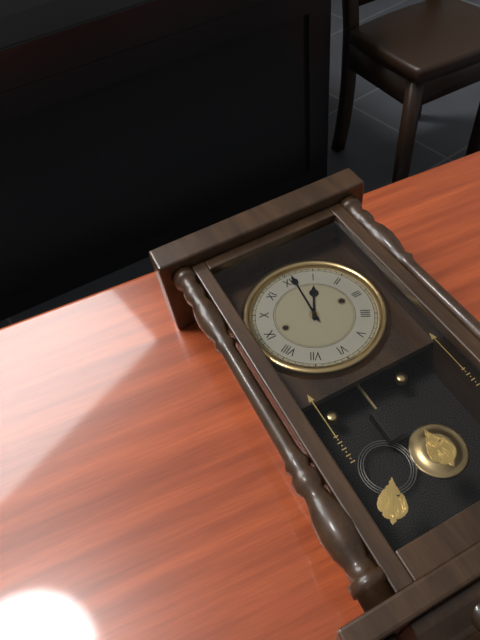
1:01
